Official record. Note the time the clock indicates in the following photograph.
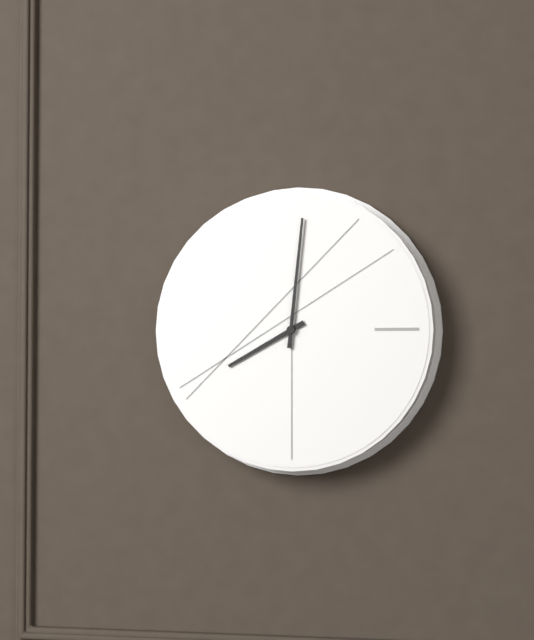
8:01
